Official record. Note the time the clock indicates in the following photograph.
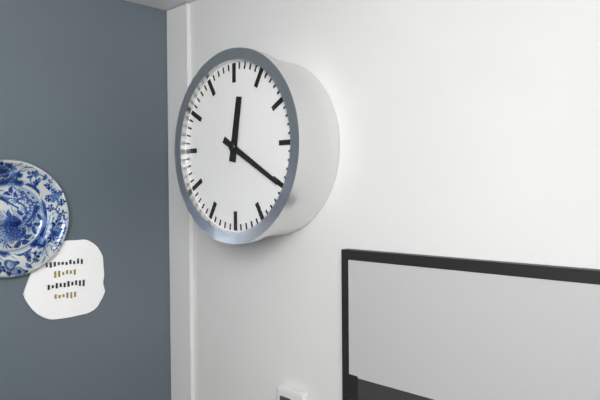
12:20
